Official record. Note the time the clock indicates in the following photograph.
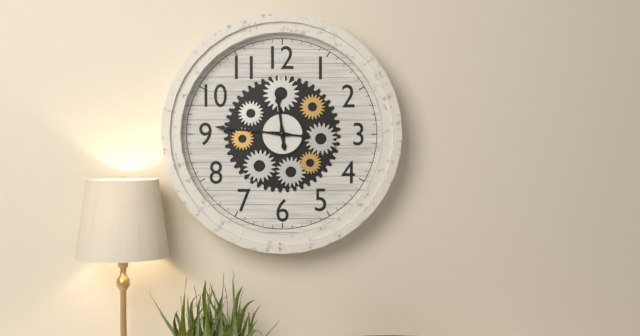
11:46
